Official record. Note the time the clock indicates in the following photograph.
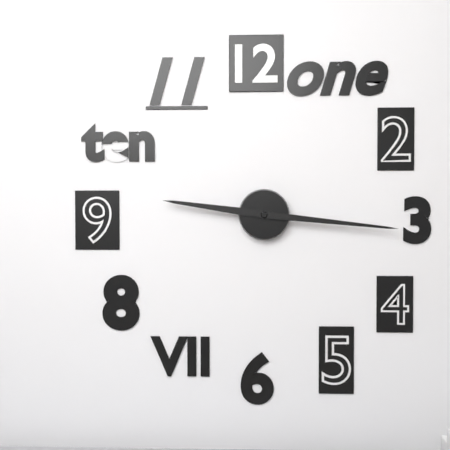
9:16
